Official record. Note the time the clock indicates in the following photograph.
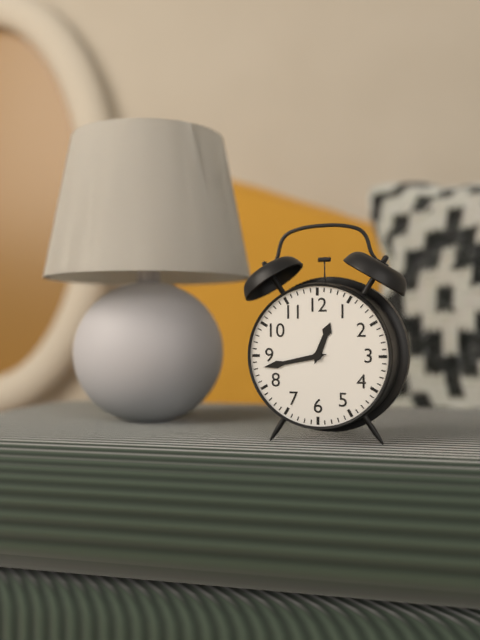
12:43
